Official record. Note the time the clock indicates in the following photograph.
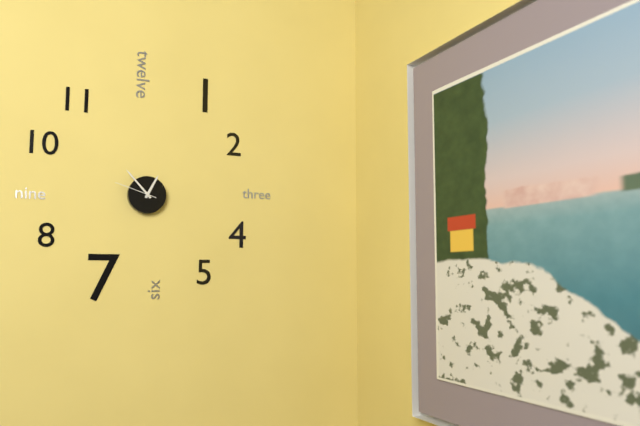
12:53
